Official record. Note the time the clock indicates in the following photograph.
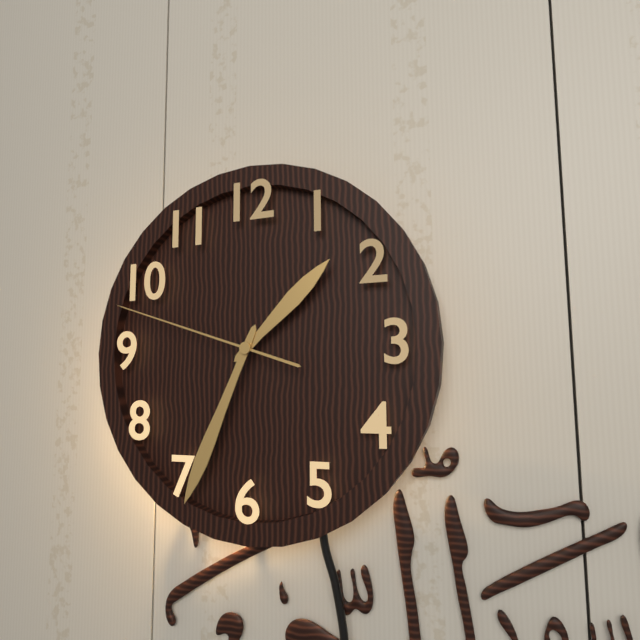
1:34:48
